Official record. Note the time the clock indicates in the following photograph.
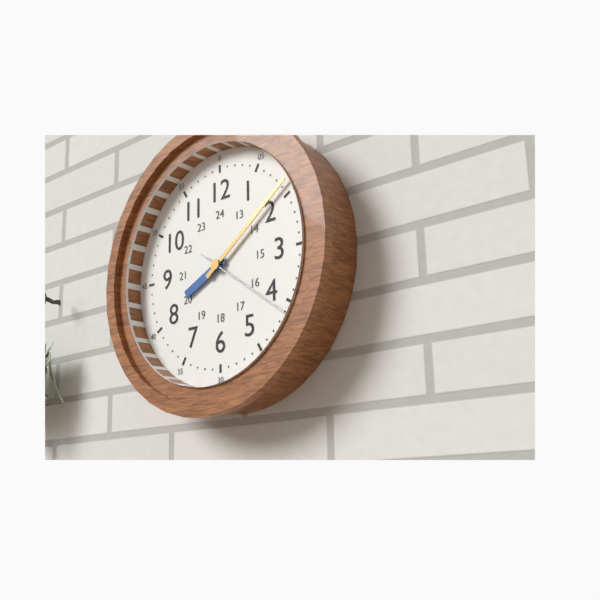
8:09:21
